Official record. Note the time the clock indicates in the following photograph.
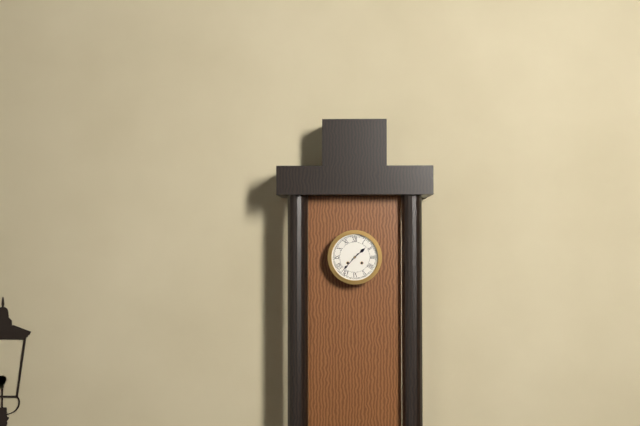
1:37
